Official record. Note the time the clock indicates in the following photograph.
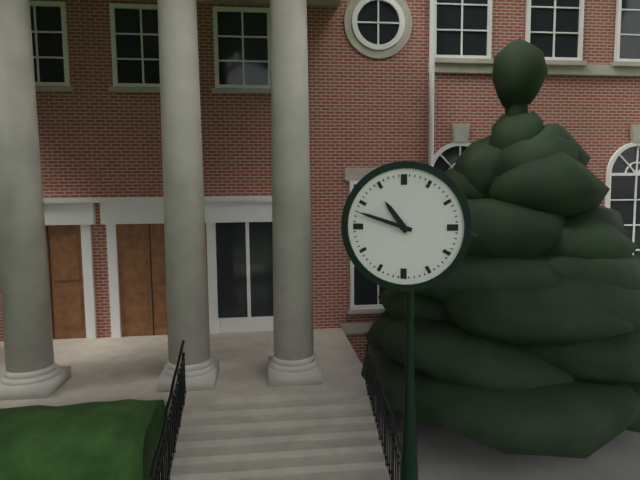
10:48
